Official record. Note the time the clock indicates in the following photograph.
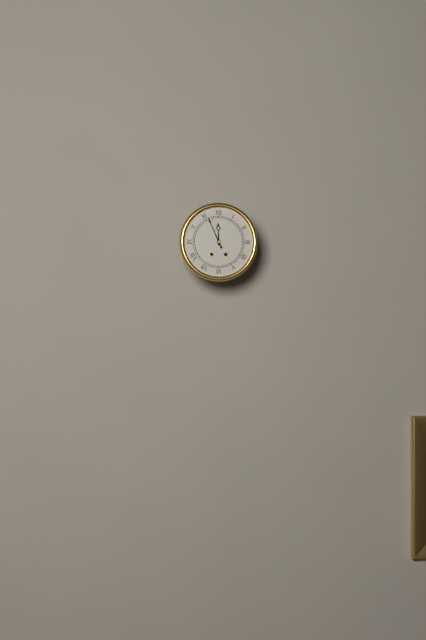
11:56
